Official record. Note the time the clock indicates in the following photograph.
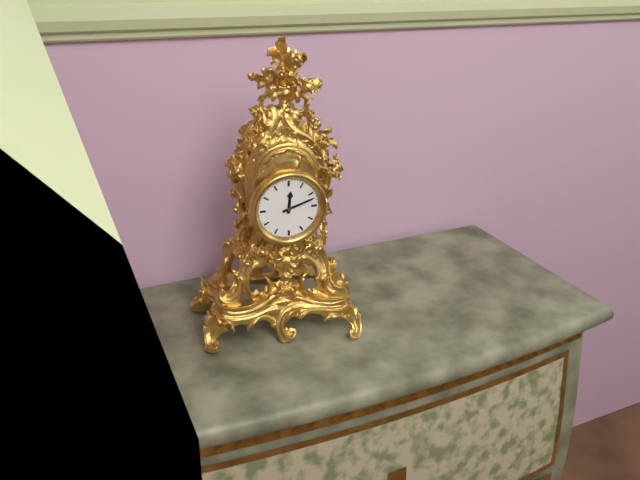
12:12
